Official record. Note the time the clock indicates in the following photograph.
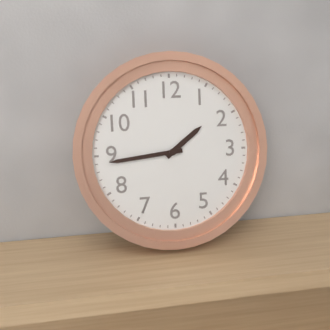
1:44
